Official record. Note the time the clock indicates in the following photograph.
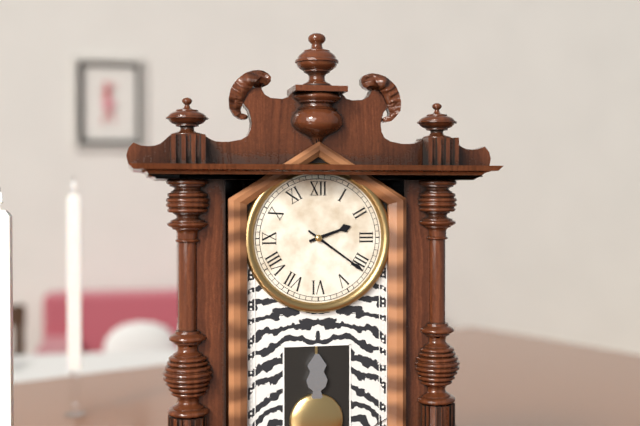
2:21
